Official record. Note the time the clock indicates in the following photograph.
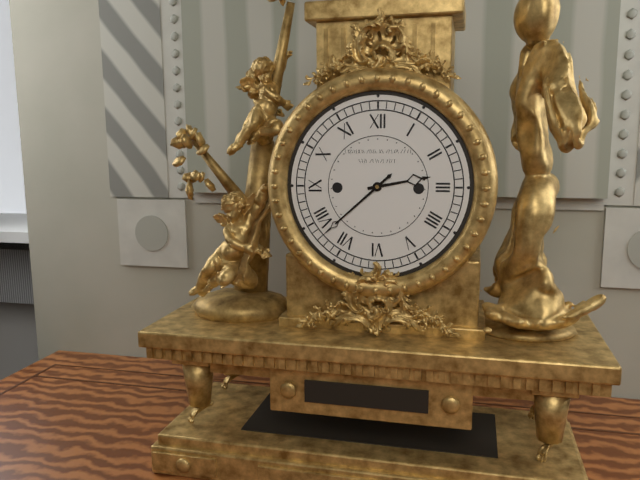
2:38
